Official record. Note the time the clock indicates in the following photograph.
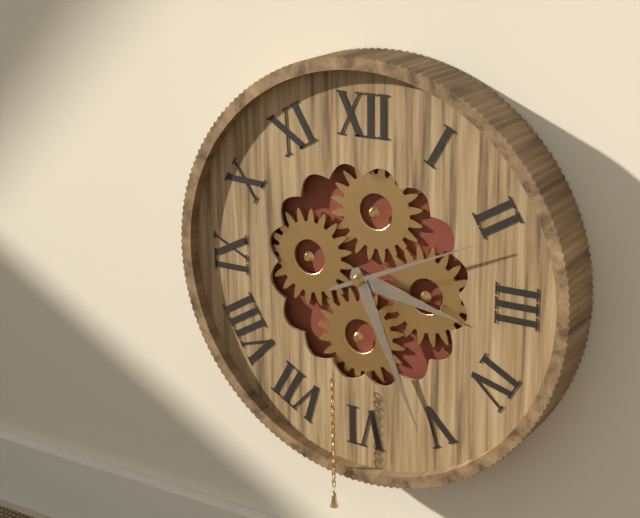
3:26:11
